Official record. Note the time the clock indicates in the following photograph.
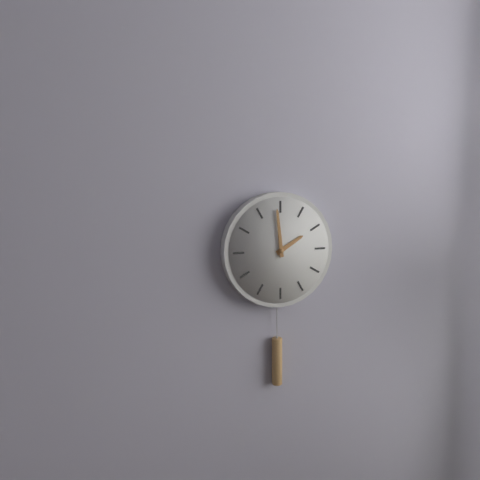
1:59
